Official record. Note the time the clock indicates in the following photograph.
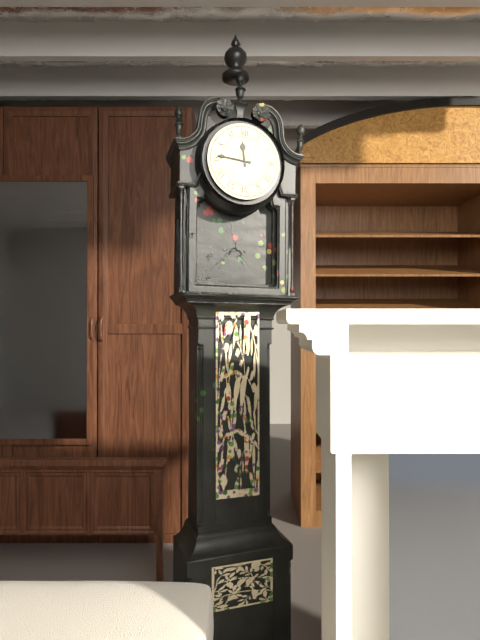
11:46
